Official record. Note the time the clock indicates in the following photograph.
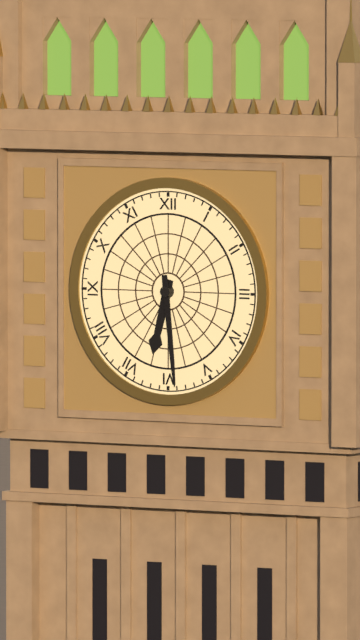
6:29
